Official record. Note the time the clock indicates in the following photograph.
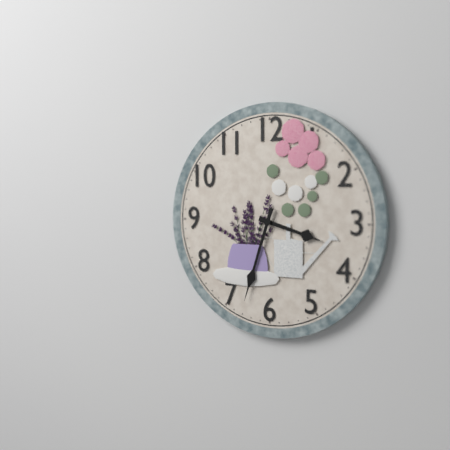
3:33
